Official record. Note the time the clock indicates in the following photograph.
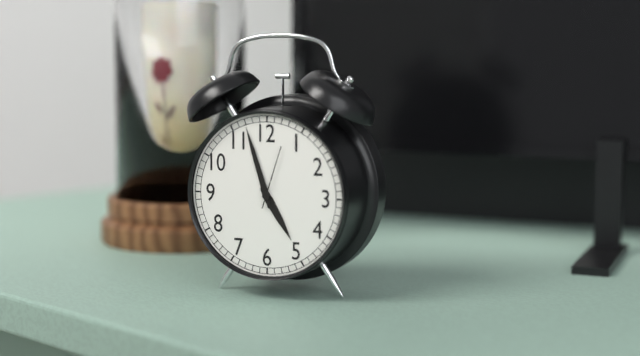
4:57:03
